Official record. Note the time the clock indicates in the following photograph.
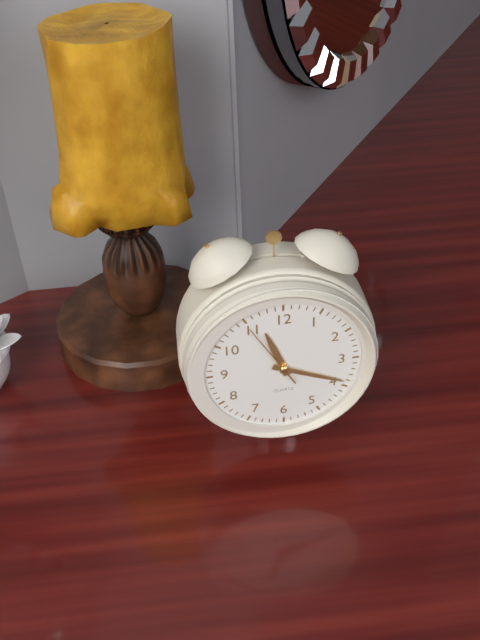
11:19:55
